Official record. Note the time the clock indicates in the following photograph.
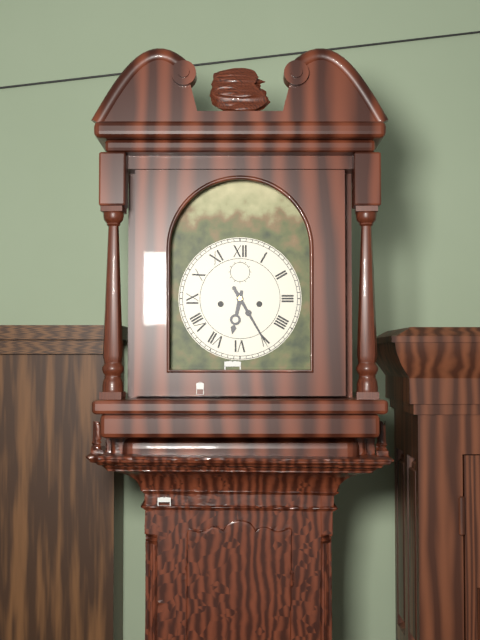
6:25
